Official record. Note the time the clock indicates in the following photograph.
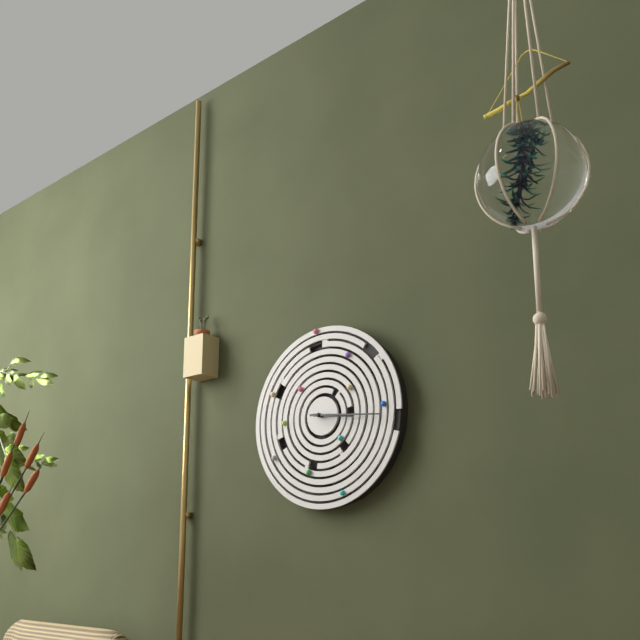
3:16
